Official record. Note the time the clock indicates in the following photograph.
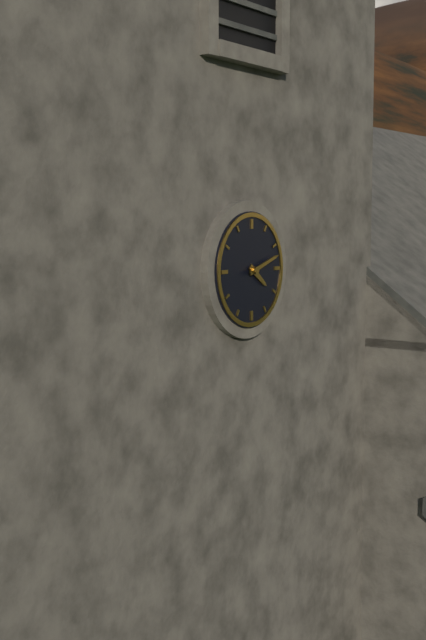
4:12
